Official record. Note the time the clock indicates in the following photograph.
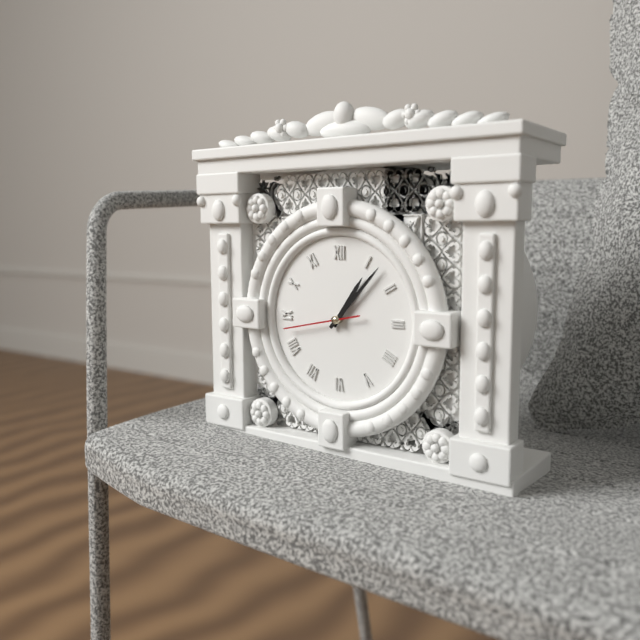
1:07:43
